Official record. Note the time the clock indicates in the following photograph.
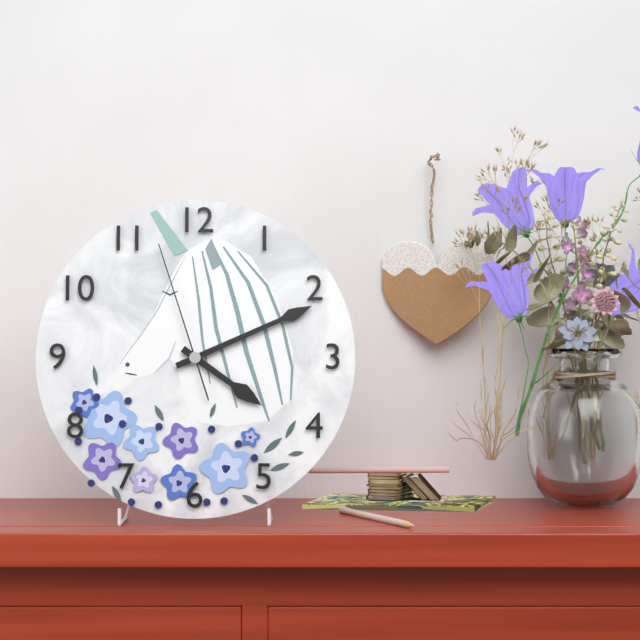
4:11:57
